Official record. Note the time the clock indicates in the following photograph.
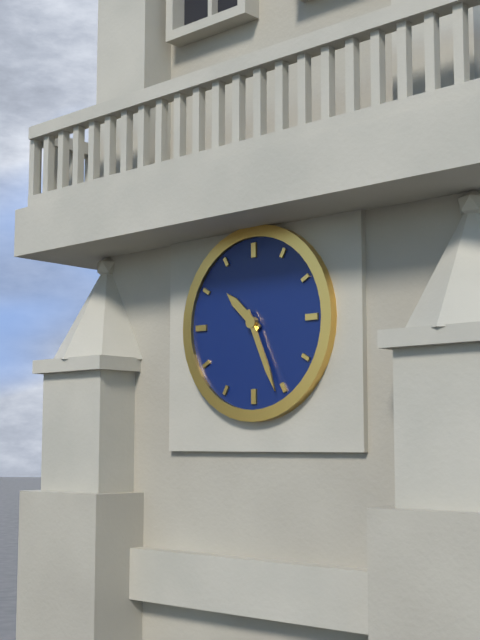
10:26
